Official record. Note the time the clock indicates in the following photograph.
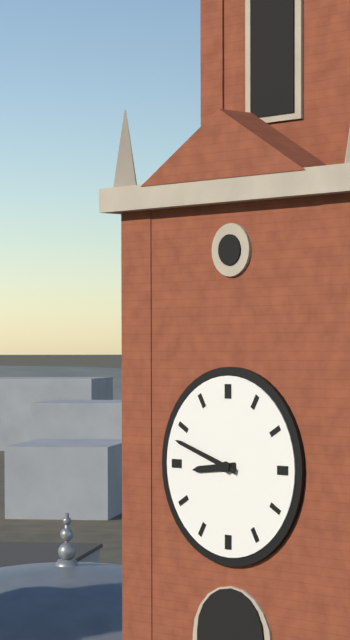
8:48
